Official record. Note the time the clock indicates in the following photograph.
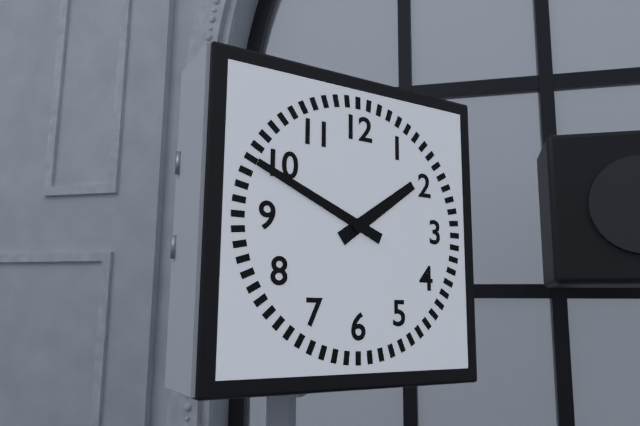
1:49
